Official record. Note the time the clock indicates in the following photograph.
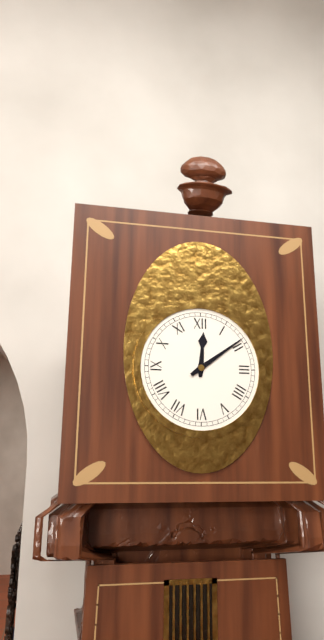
12:09
